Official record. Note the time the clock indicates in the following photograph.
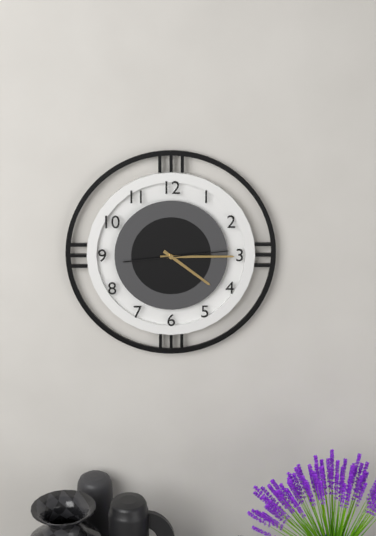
4:15:14
